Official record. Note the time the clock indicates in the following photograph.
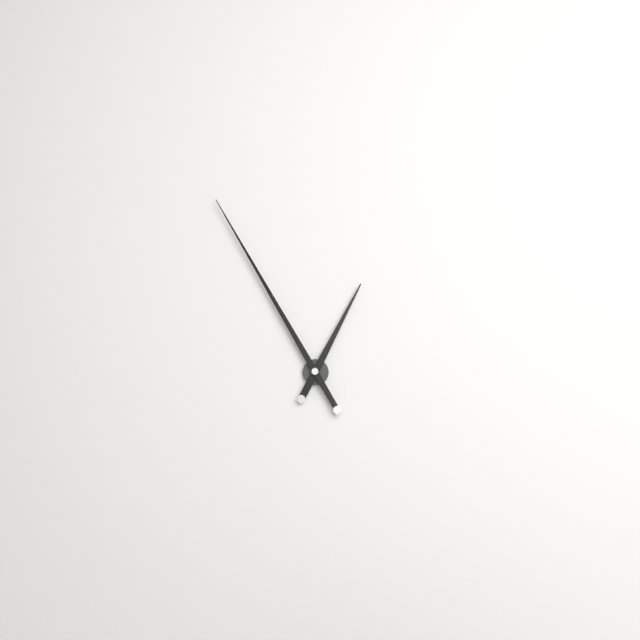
12:55
